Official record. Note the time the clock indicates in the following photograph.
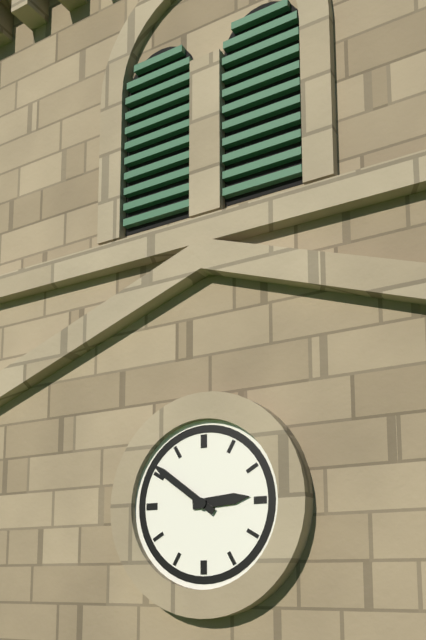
2:51
